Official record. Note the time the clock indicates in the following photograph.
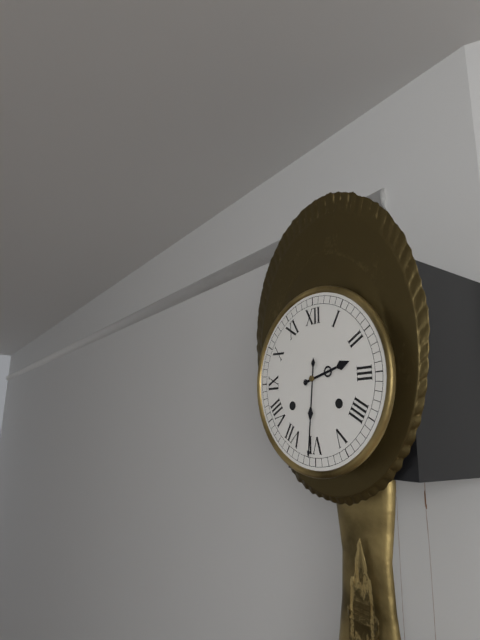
2:31
